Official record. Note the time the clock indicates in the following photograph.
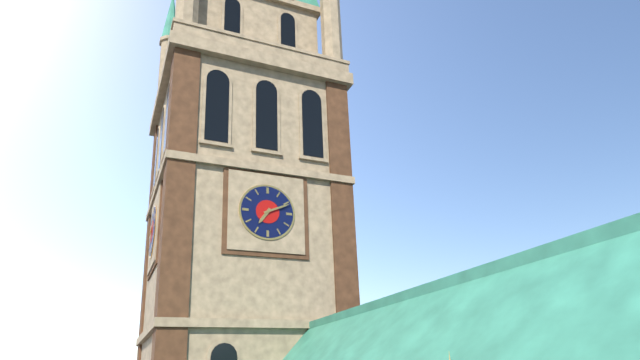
7:11
